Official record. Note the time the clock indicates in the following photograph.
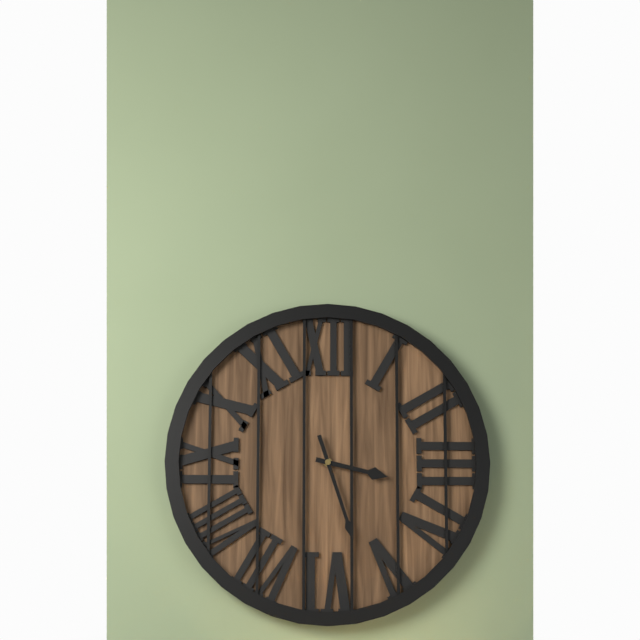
3:27
